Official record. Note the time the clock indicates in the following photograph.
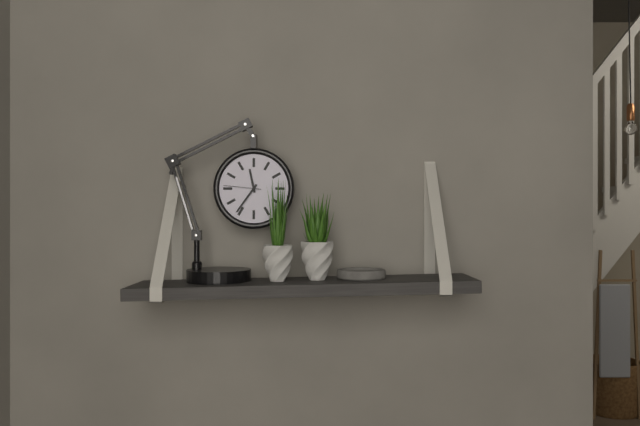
11:36
